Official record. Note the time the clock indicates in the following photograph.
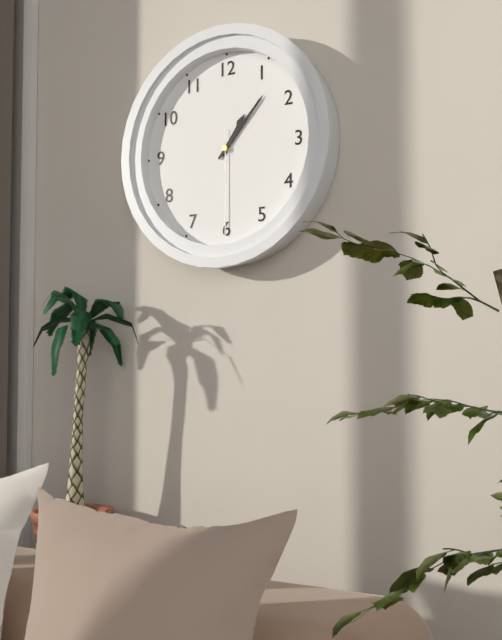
1:07:30
